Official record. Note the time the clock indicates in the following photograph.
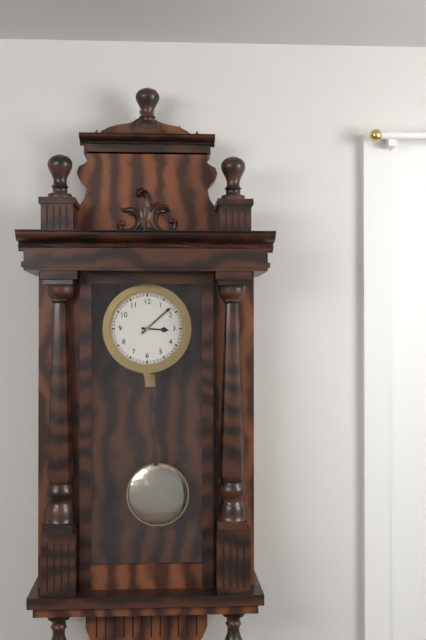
3:08
